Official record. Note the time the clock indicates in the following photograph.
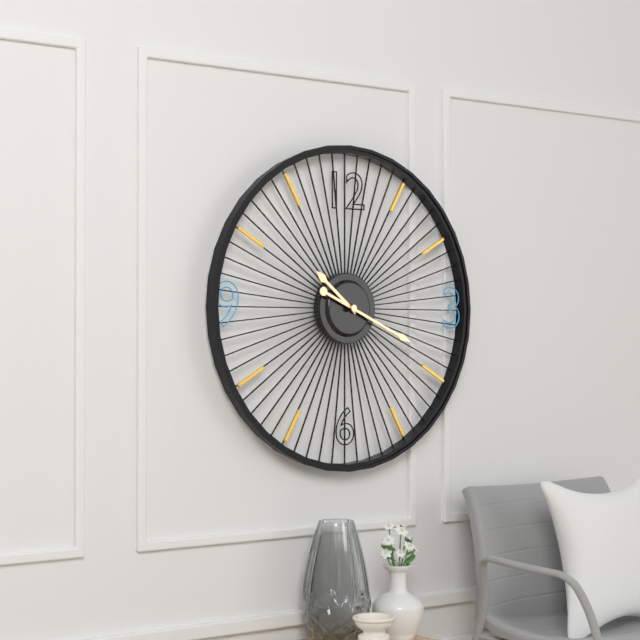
10:19
